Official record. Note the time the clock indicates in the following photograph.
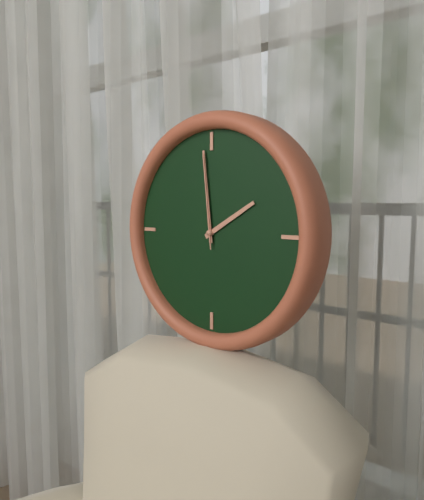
1:59:59
